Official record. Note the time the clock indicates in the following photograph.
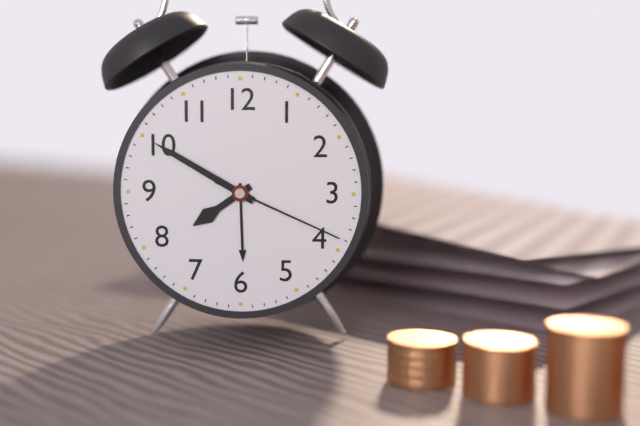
7:50:19
